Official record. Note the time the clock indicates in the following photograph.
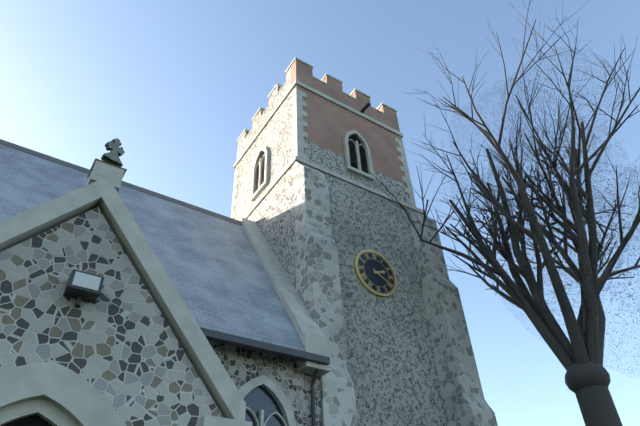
2:20
